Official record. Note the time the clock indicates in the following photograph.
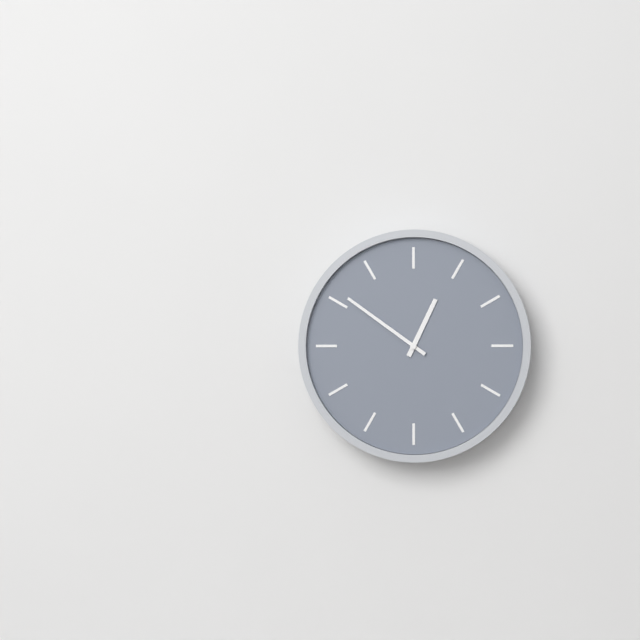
12:51
